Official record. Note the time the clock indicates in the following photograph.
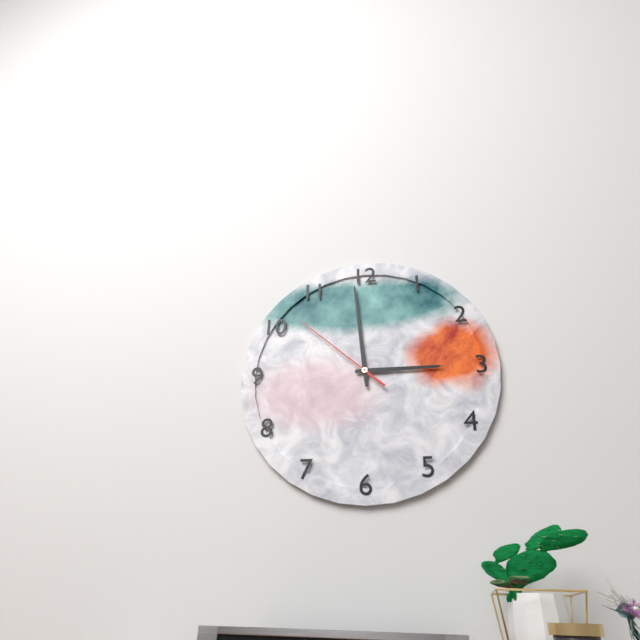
2:59:52
